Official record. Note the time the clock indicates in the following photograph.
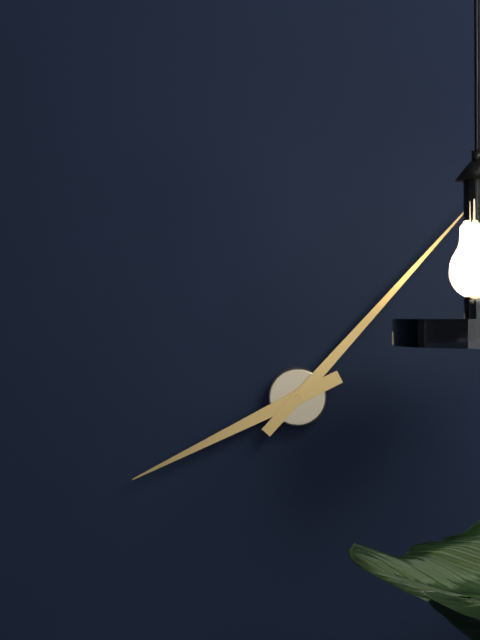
8:07
